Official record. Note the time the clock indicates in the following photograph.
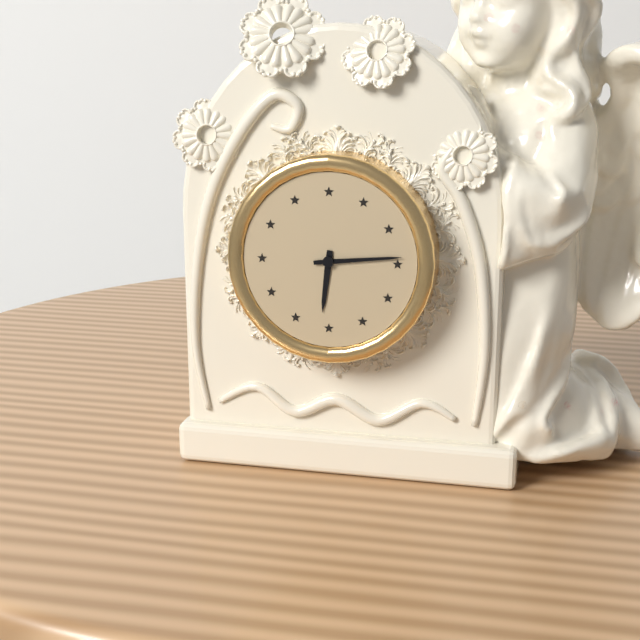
6:14
